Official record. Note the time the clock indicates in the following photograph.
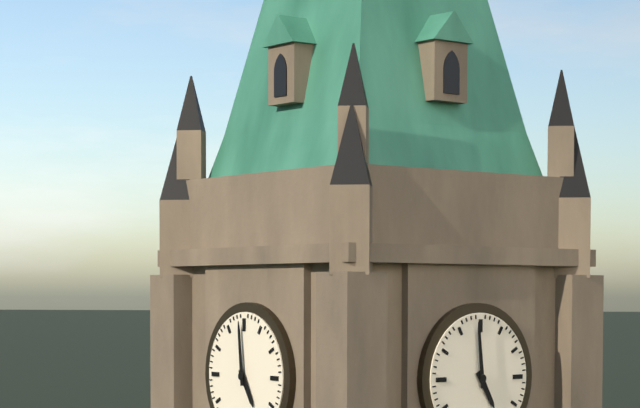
4:59
